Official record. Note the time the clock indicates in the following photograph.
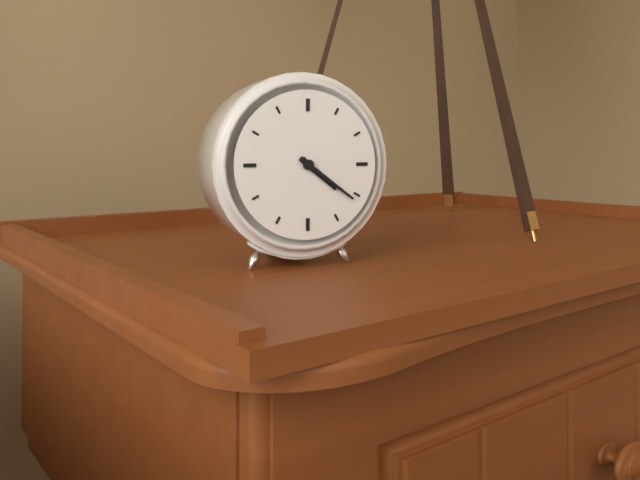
4:21
